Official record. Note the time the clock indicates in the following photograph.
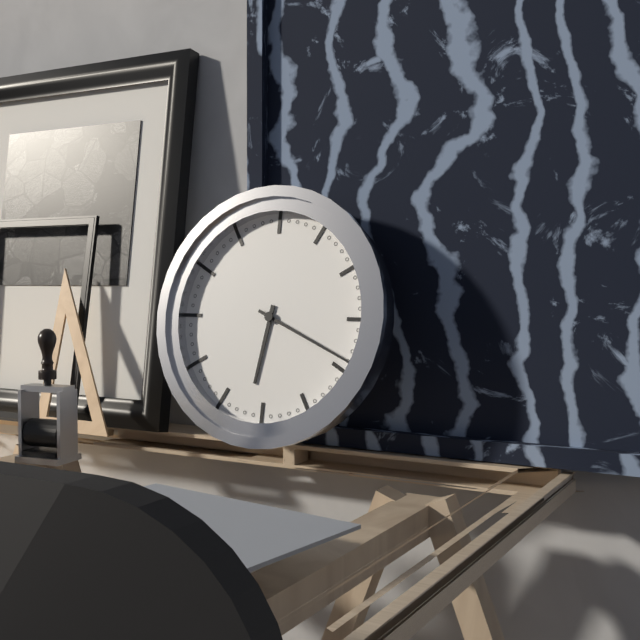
6:19
